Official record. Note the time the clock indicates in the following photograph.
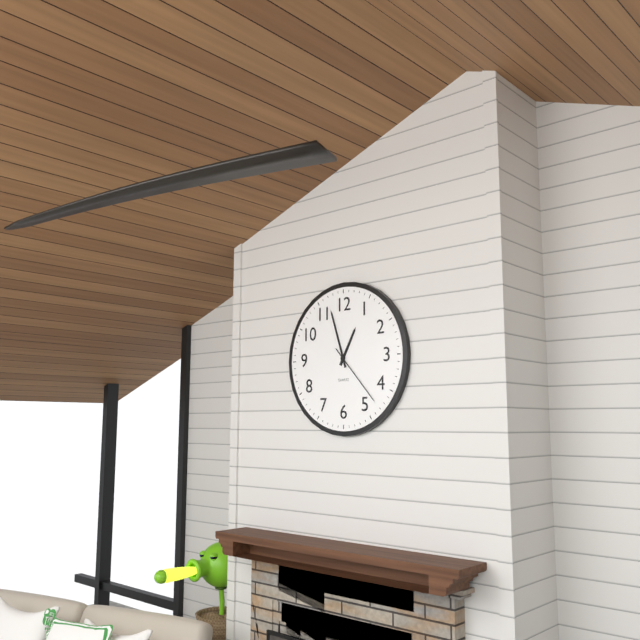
12:57:23
